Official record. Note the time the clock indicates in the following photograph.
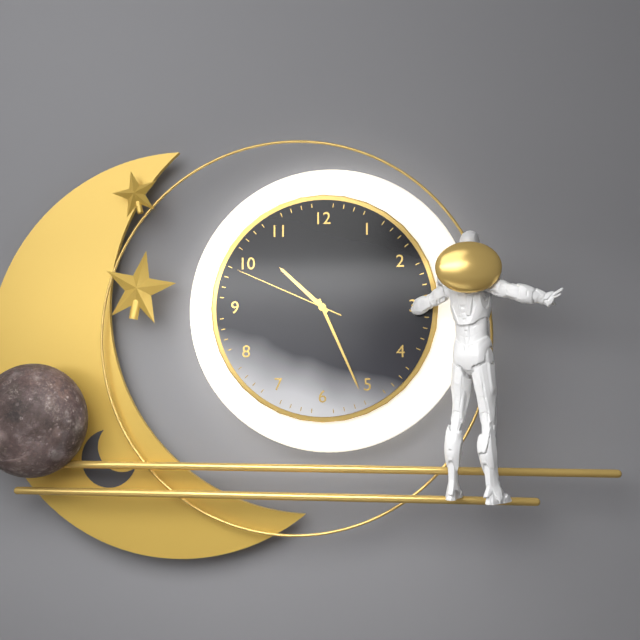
10:26:49
